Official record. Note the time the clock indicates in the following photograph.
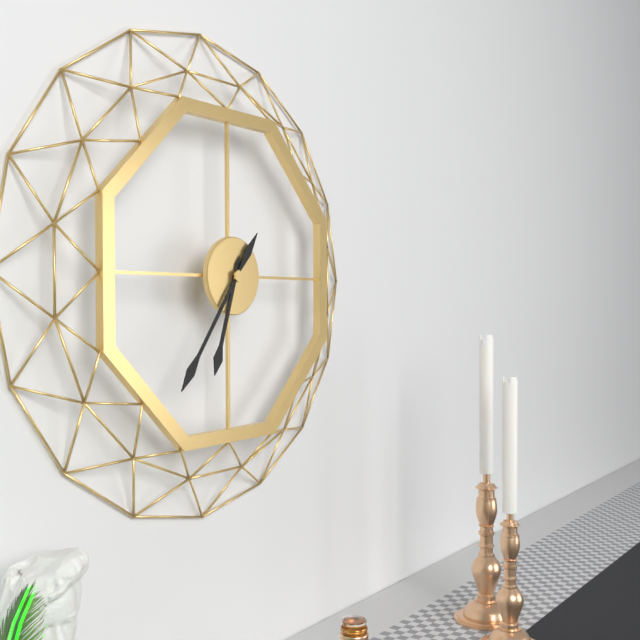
6:36
